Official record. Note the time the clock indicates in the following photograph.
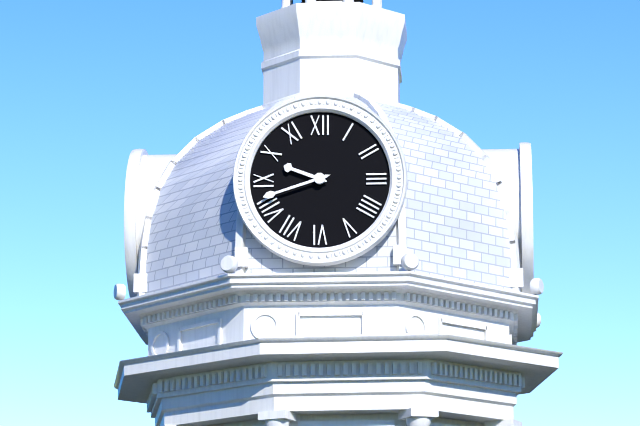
9:42
